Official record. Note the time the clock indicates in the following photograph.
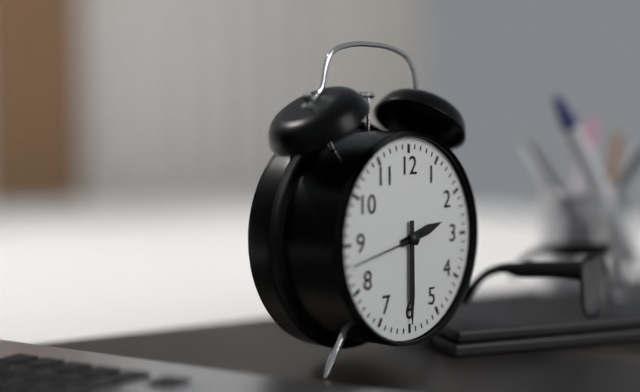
2:30:43
